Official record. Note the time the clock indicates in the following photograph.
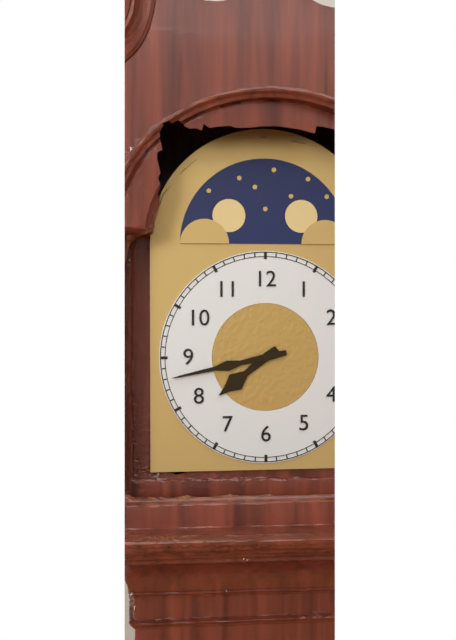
7:43
